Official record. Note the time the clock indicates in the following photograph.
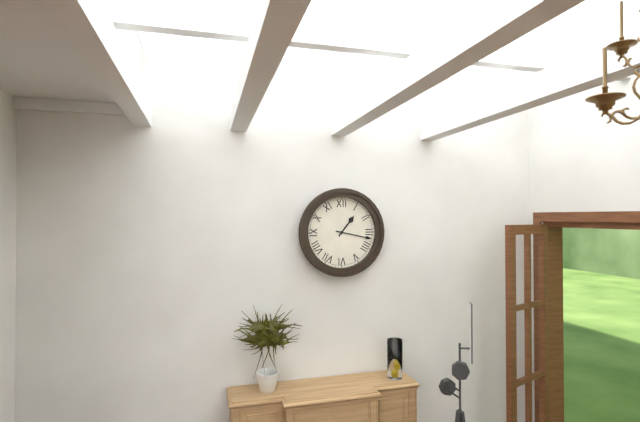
1:17
